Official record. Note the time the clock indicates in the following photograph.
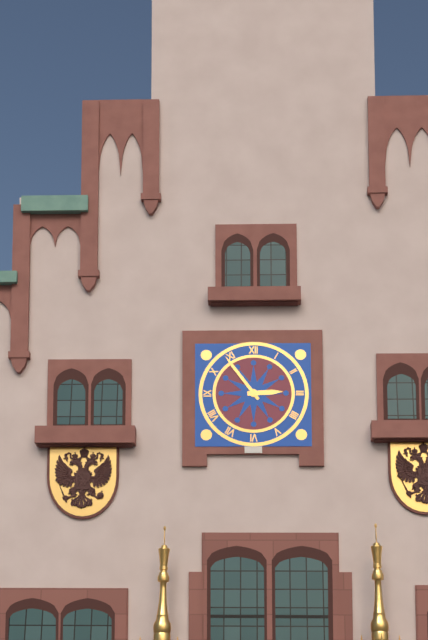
2:54
